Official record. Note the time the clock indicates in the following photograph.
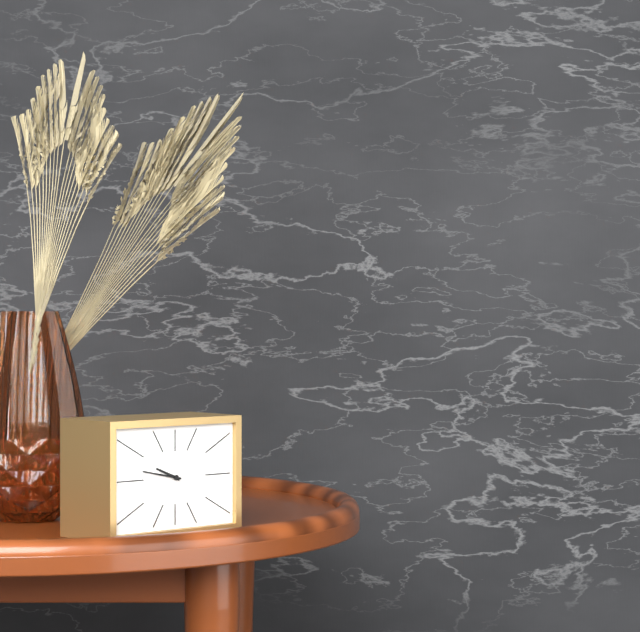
9:47
